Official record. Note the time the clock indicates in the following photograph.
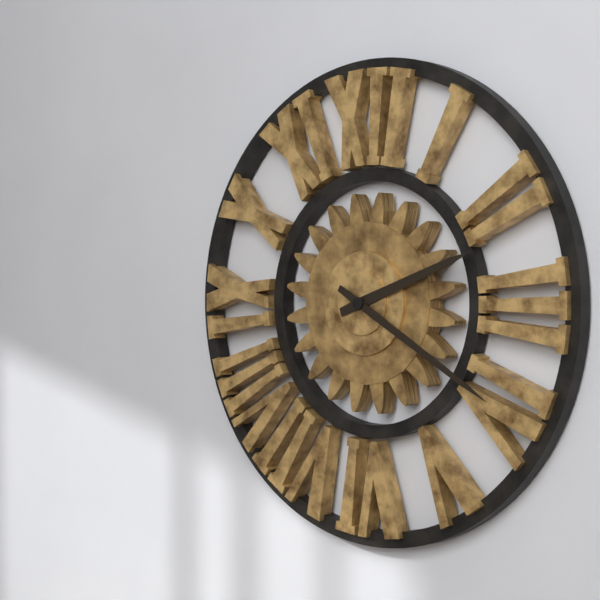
2:20
